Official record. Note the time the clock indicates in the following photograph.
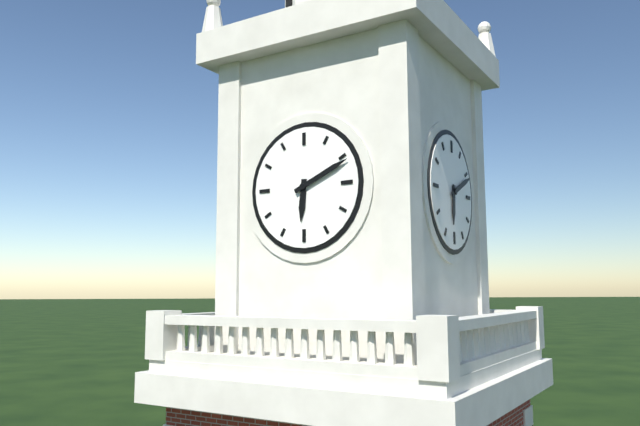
6:11
